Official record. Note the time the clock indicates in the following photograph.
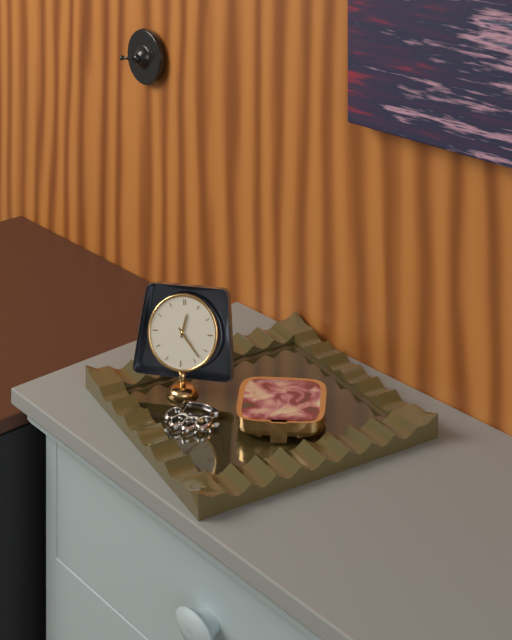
12:23
